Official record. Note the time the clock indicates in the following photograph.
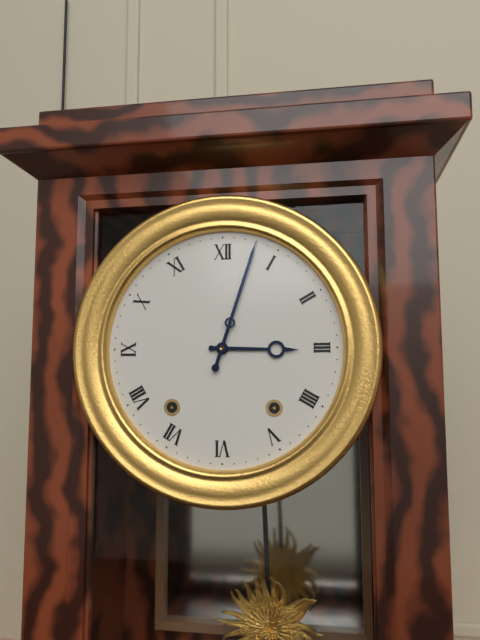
3:03
